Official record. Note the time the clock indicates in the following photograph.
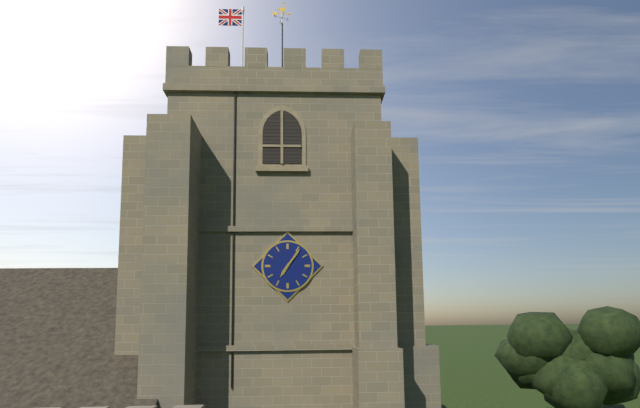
7:06
